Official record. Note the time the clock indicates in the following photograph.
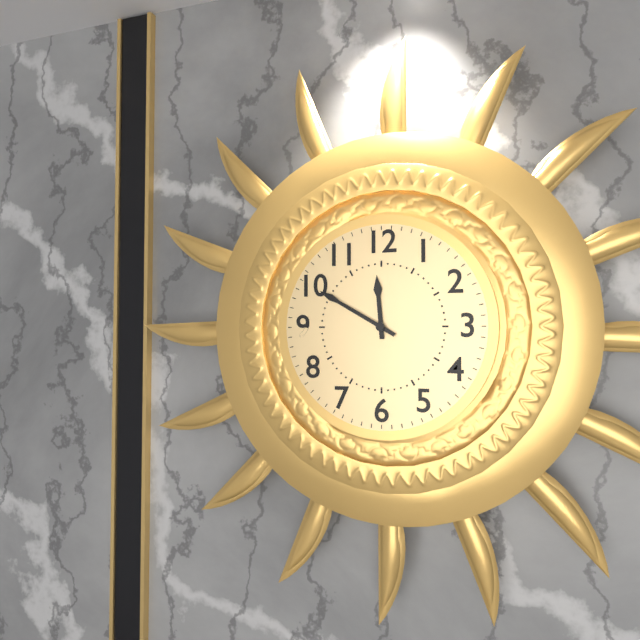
11:50
